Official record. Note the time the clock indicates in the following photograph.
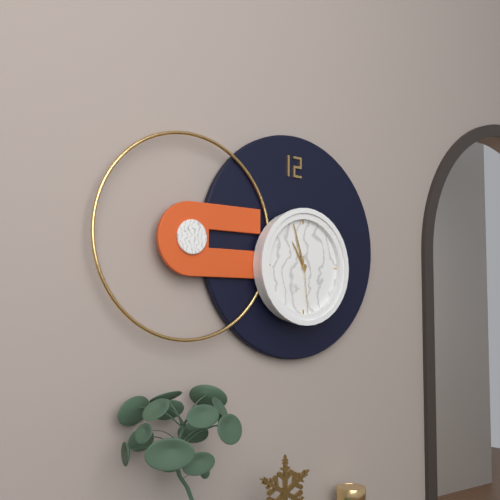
10:57:29
